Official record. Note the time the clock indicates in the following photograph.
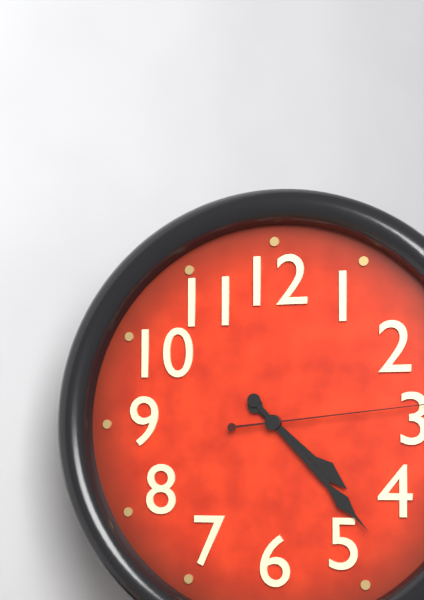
4:23
